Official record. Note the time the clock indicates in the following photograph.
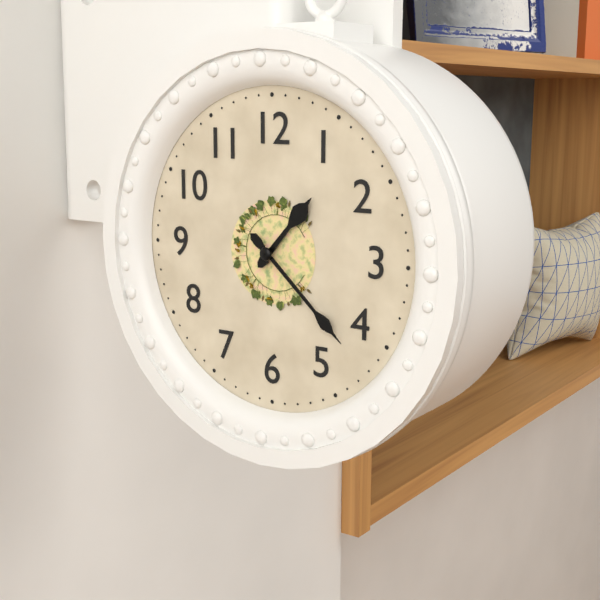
1:22
